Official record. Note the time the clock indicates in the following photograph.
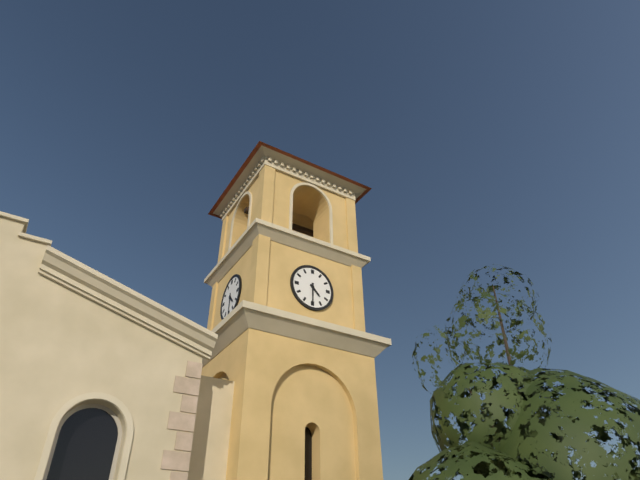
4:30
